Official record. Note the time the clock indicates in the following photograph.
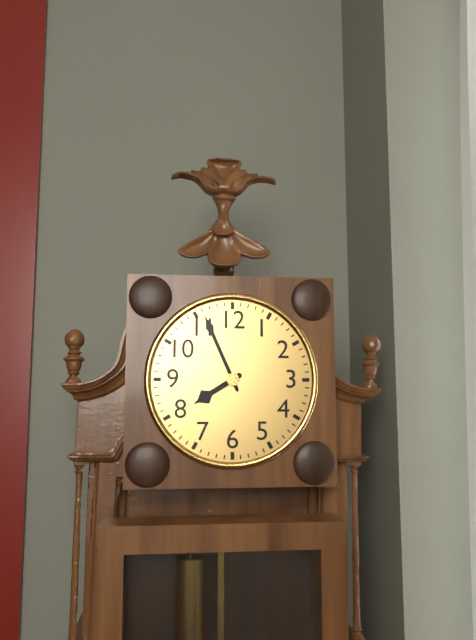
7:56
